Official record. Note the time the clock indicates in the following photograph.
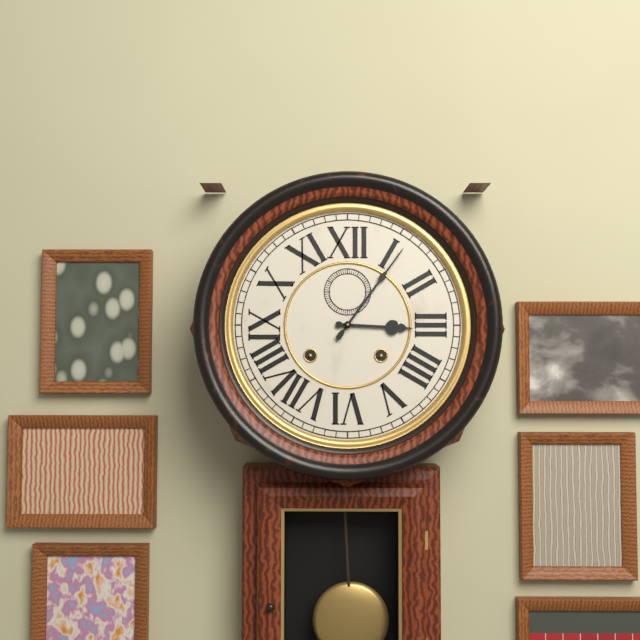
3:06
